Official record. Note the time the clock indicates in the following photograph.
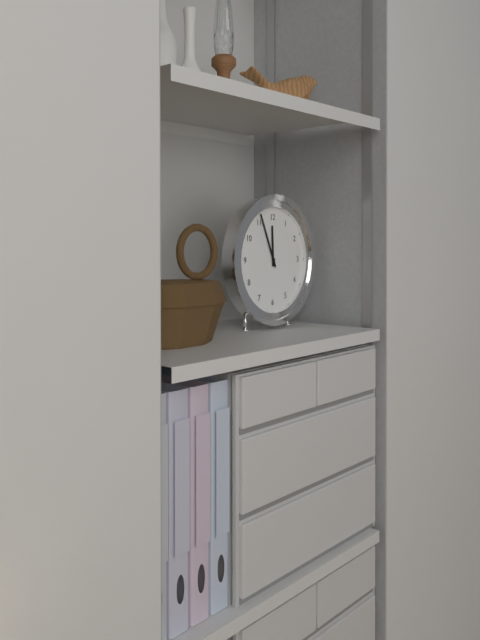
11:56
